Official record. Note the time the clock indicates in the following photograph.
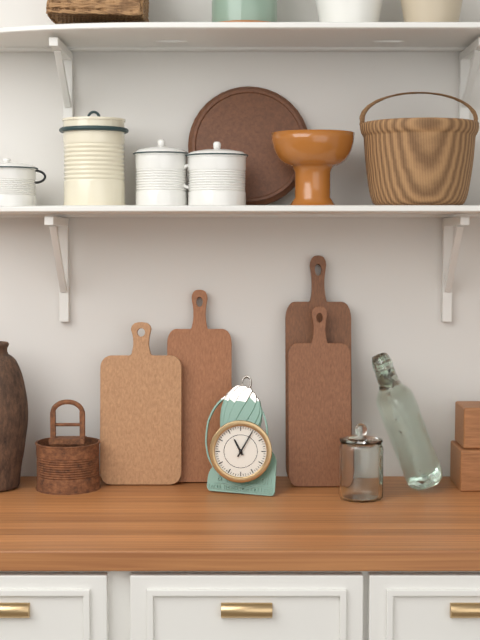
11:05
